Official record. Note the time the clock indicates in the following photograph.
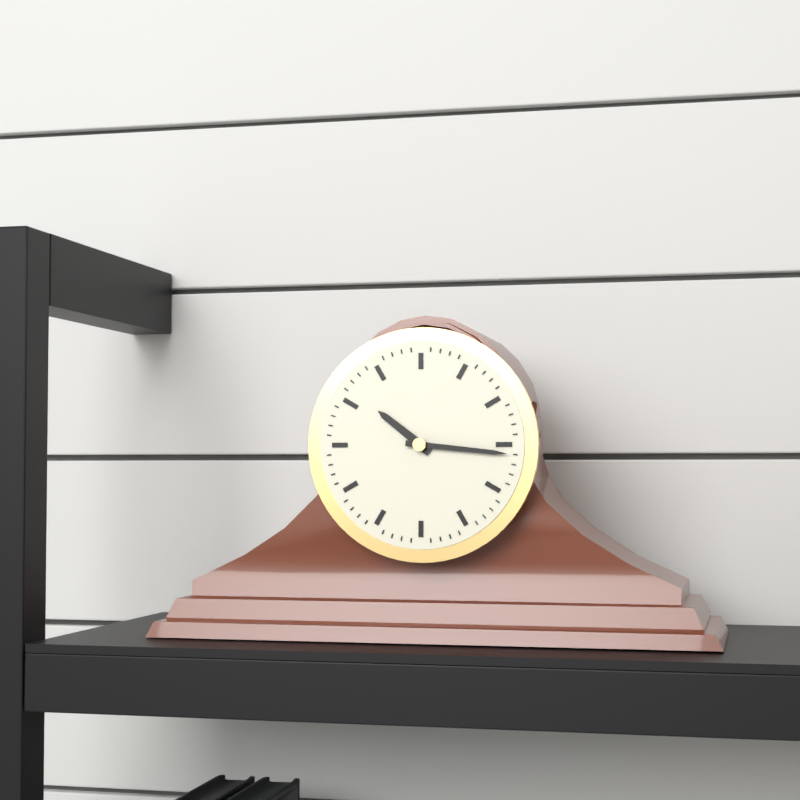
10:16
